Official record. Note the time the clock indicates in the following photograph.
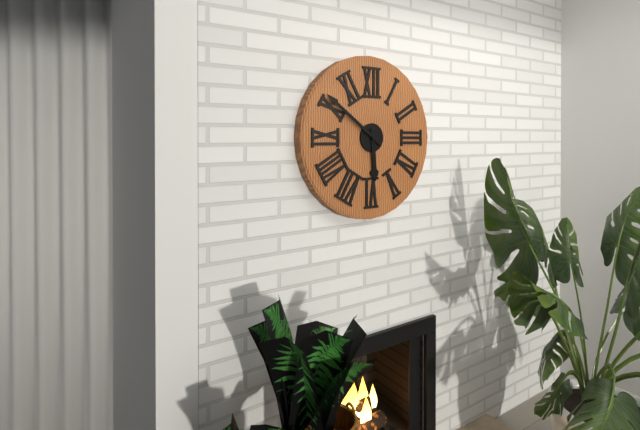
5:51
